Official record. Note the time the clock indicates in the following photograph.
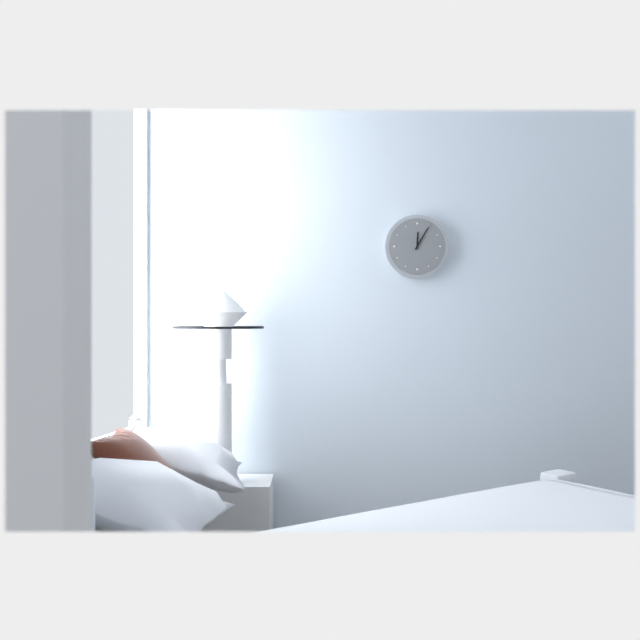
12:05
